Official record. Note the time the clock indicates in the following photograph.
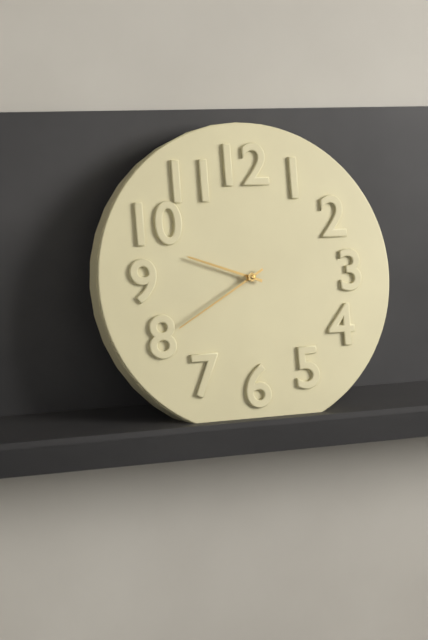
9:40
